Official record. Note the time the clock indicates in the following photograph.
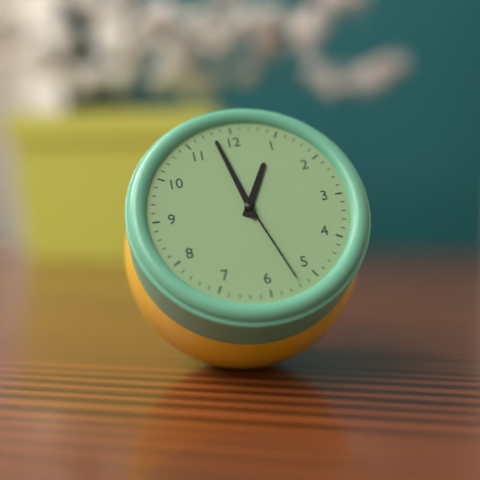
12:58:27
